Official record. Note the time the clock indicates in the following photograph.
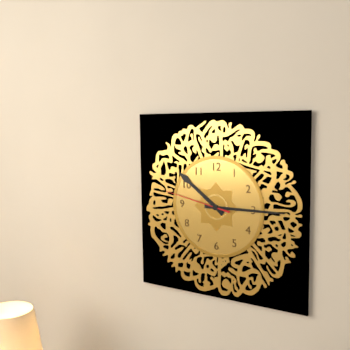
10:15:47
